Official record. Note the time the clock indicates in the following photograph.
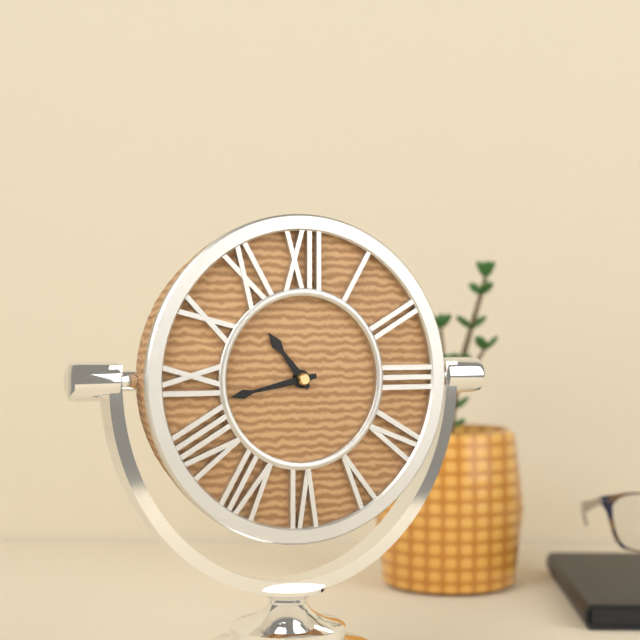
10:43
